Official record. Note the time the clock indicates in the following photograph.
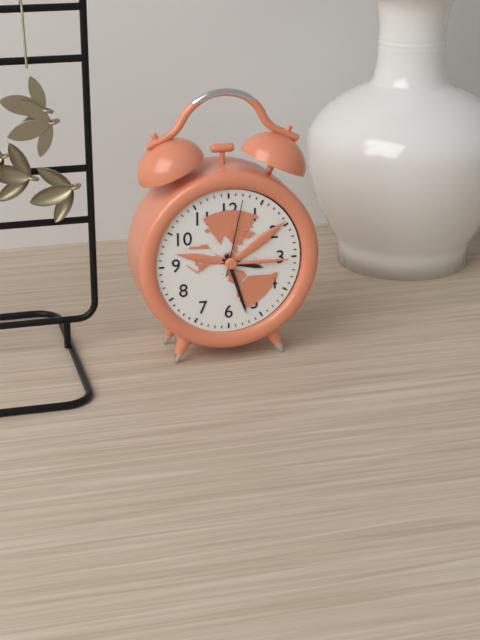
3:27:02
